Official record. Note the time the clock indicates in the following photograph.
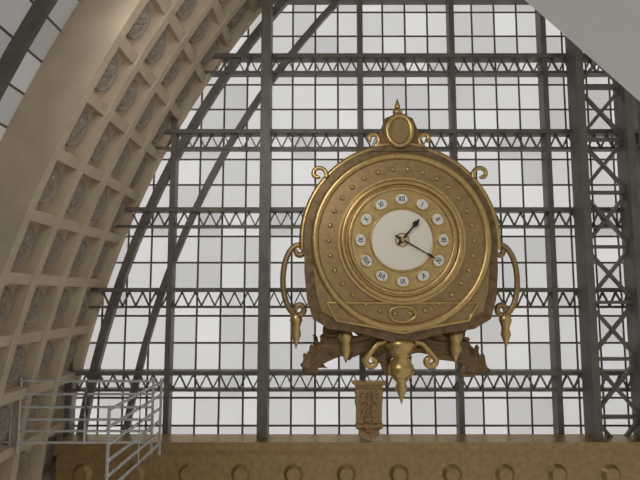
1:20
